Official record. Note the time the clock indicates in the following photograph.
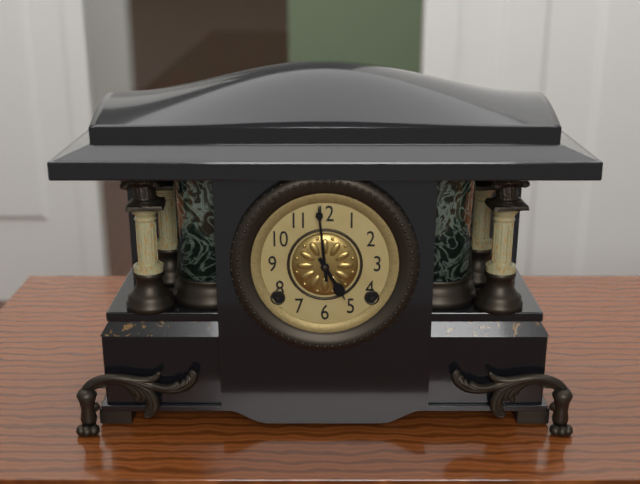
4:59
